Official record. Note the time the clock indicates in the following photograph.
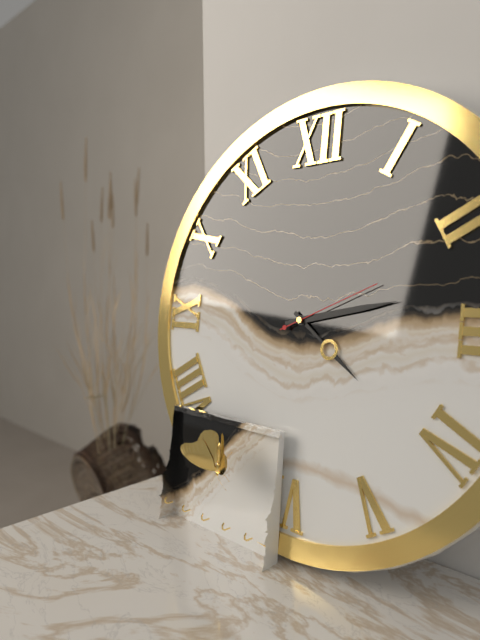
4:13:11
